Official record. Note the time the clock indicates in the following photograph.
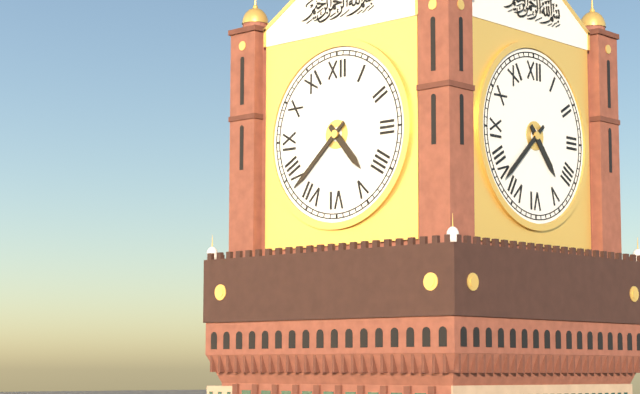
4:38
